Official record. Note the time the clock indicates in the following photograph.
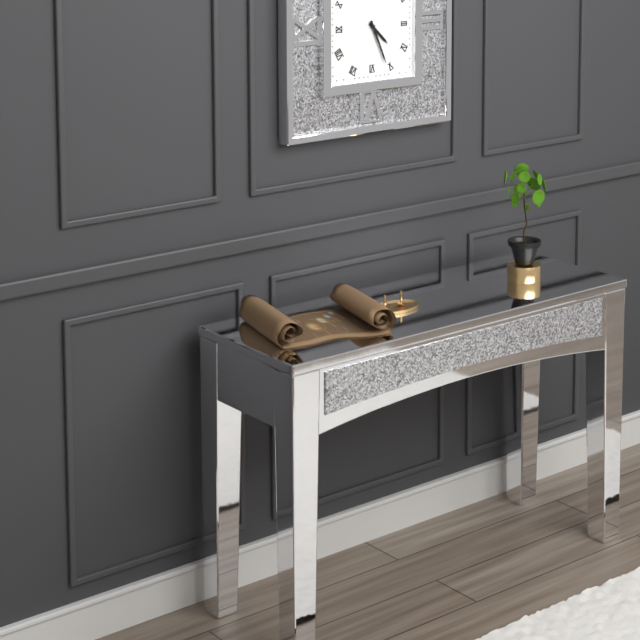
4:26
